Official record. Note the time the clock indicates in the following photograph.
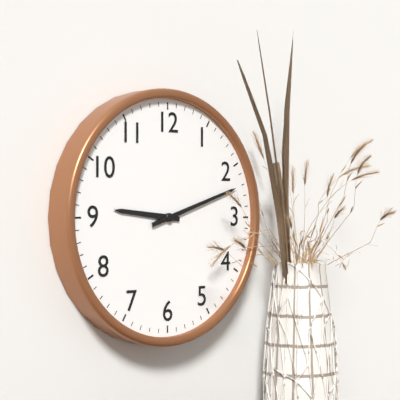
9:12
